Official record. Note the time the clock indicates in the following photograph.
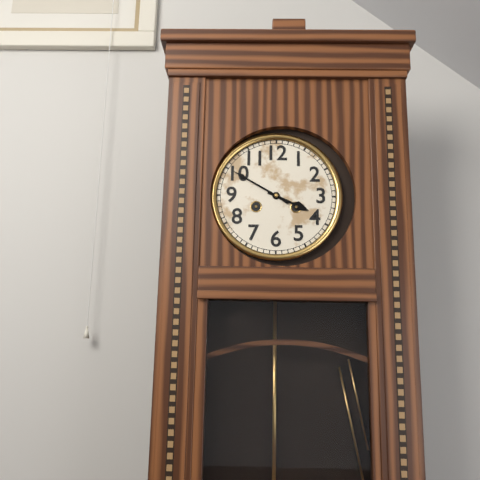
3:50
